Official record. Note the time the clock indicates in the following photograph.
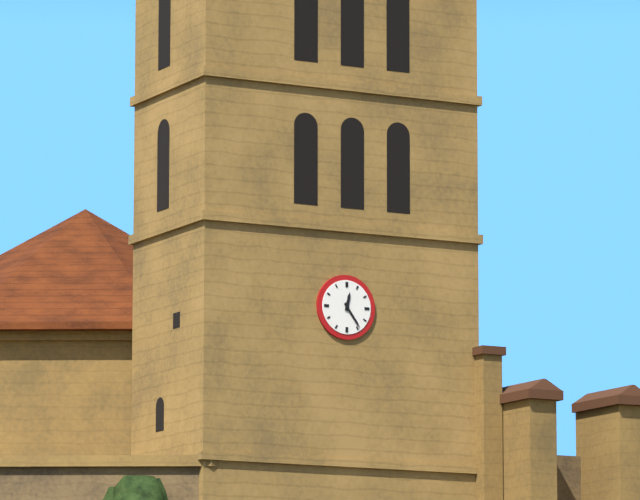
12:24
